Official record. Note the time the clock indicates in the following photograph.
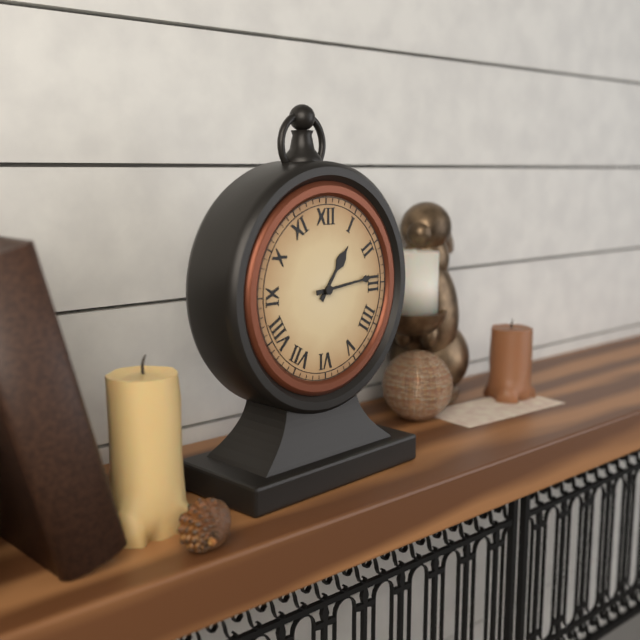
1:14
